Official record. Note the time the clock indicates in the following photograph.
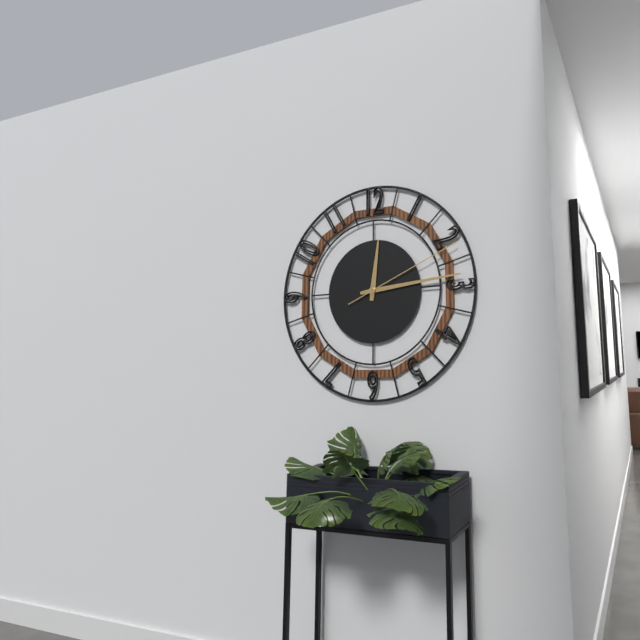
12:14:11
